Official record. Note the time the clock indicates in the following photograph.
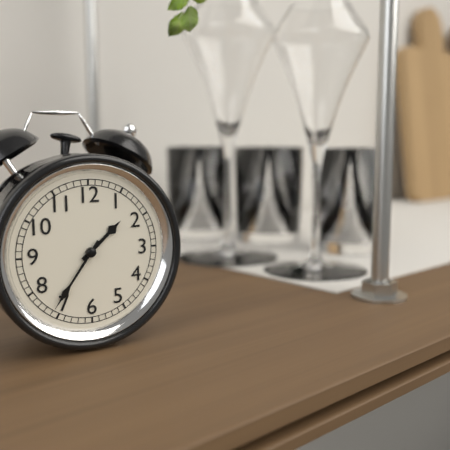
1:36
